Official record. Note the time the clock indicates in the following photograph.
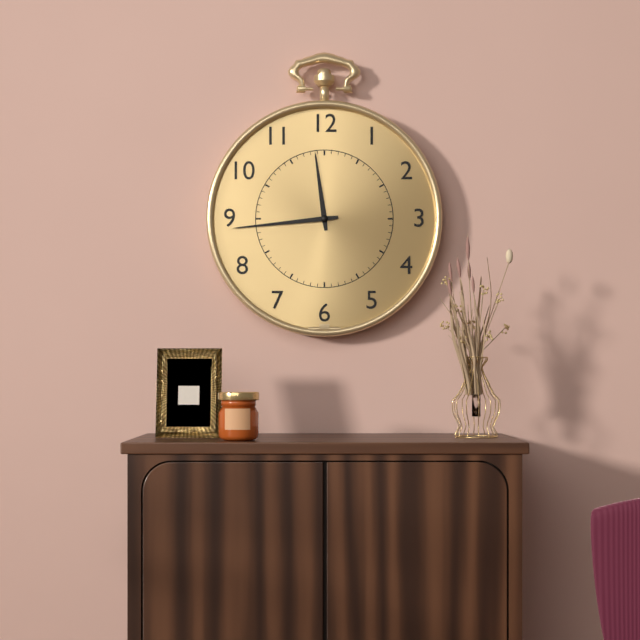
11:44
